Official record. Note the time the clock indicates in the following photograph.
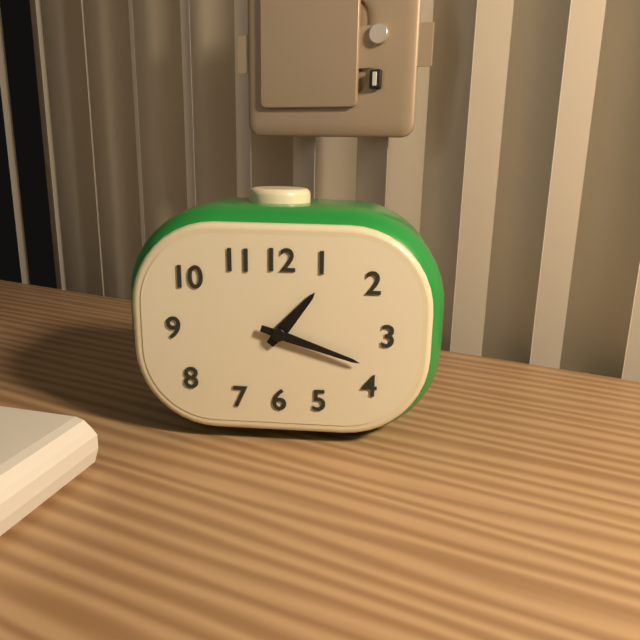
1:18
